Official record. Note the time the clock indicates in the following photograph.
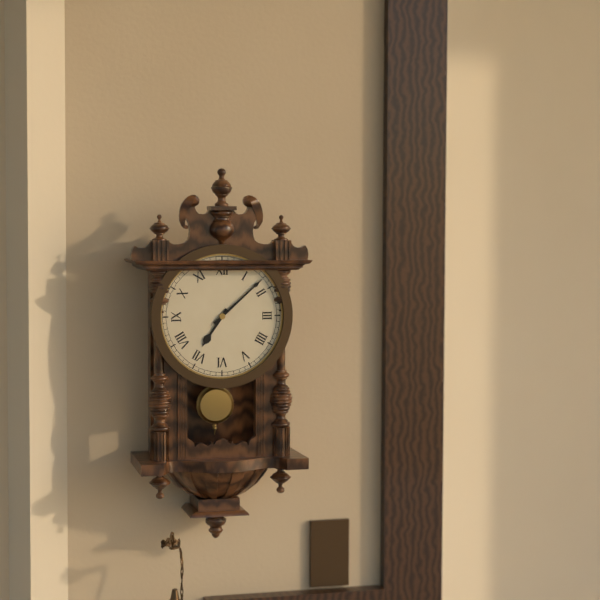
7:08
